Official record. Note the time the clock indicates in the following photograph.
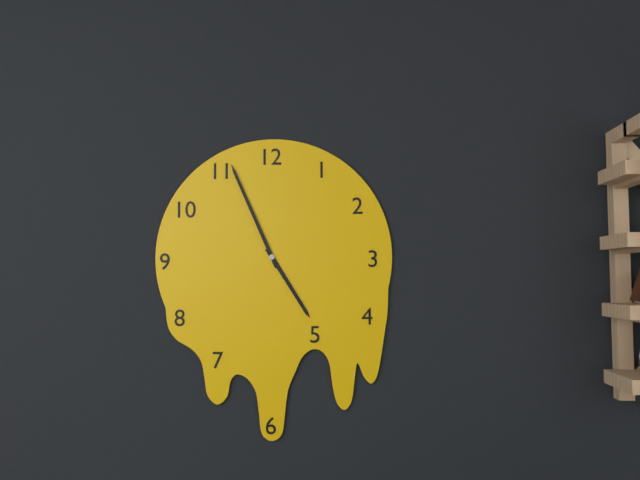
4:56
